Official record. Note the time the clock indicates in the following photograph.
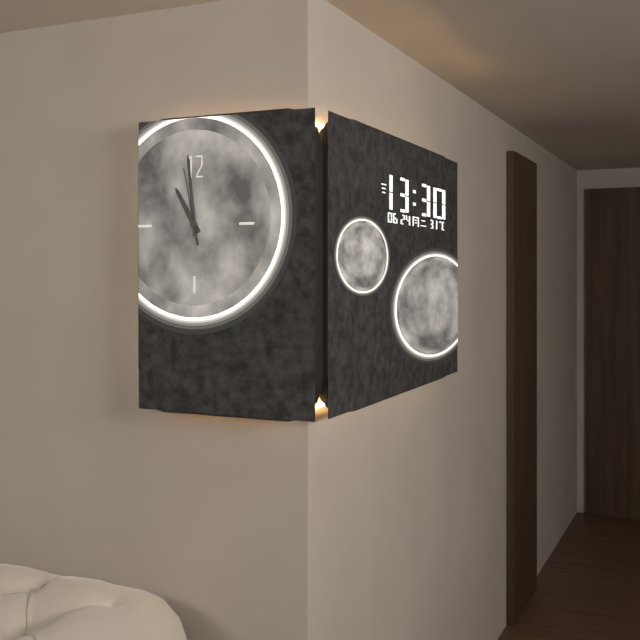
10:59:58
